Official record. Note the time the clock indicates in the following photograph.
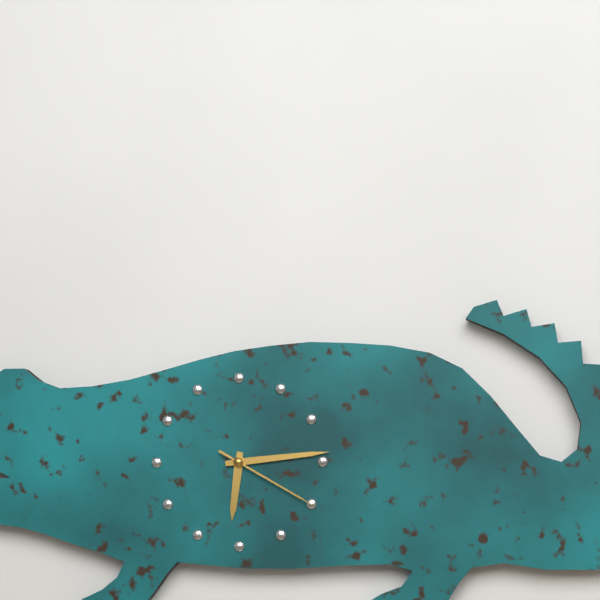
6:14:20
